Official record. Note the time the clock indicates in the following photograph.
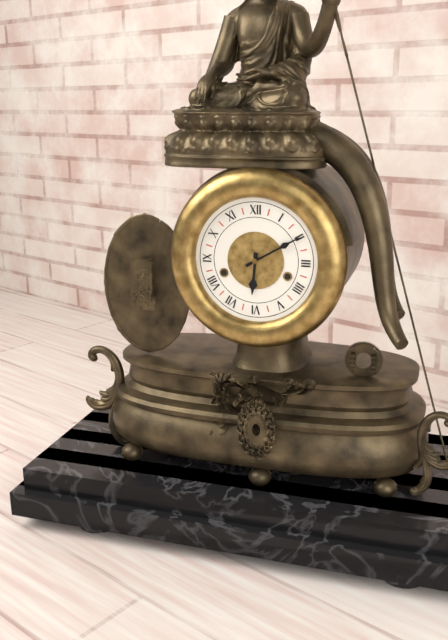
6:10
